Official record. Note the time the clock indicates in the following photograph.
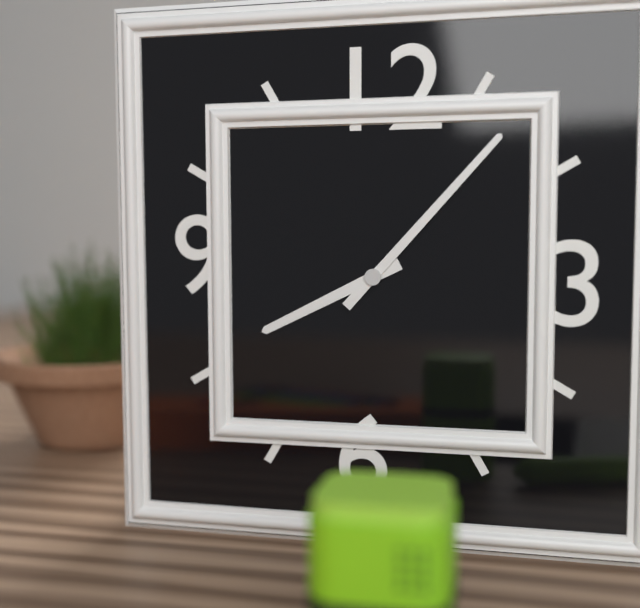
8:07
